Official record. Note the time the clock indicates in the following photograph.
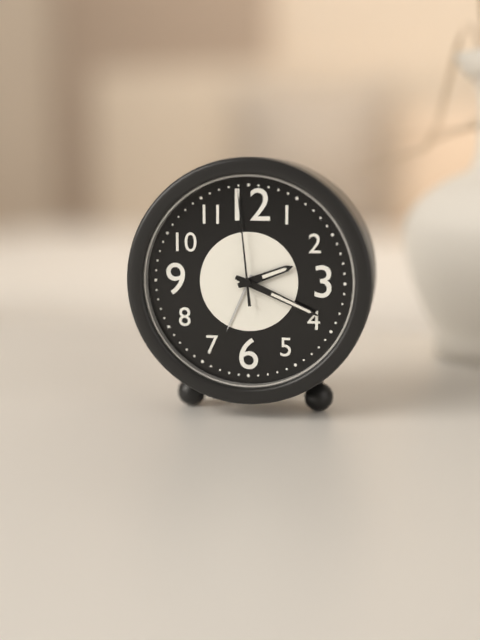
2:19:59
